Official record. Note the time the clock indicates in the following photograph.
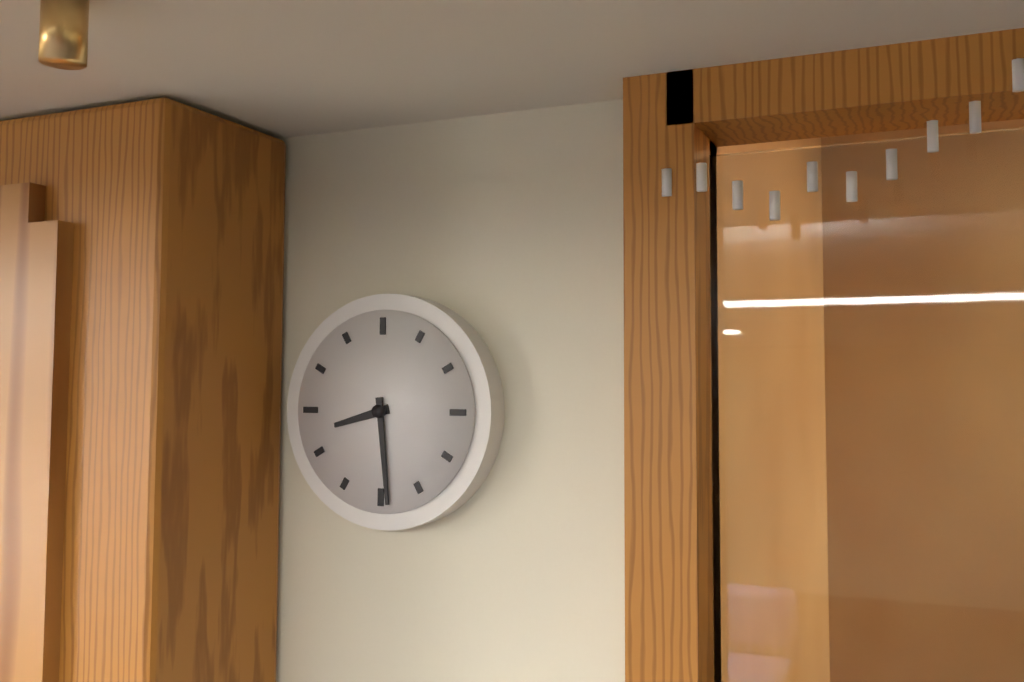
8:29
